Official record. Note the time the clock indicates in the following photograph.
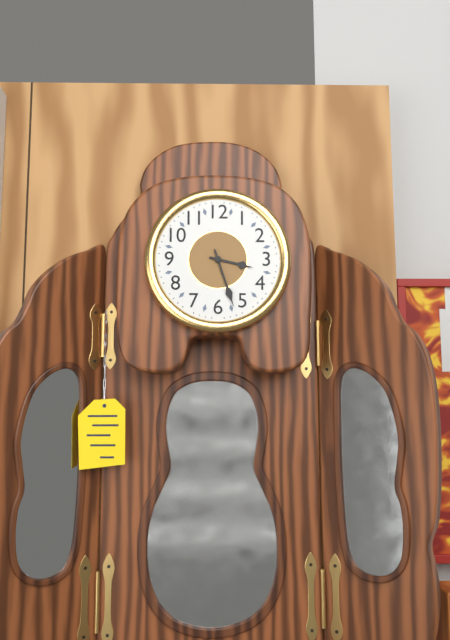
3:27
